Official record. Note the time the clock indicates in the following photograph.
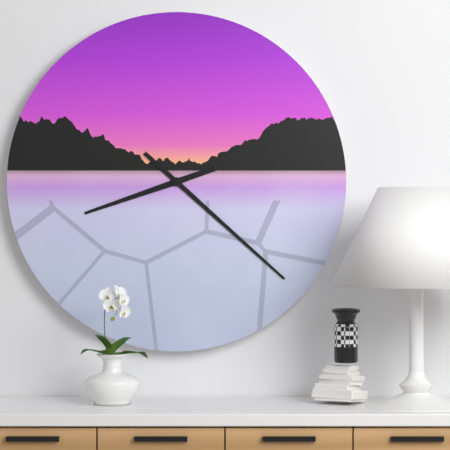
8:22
